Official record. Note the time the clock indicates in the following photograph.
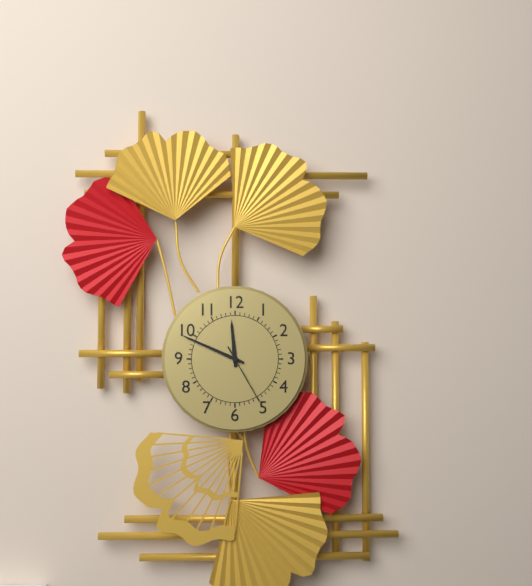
11:49:25
